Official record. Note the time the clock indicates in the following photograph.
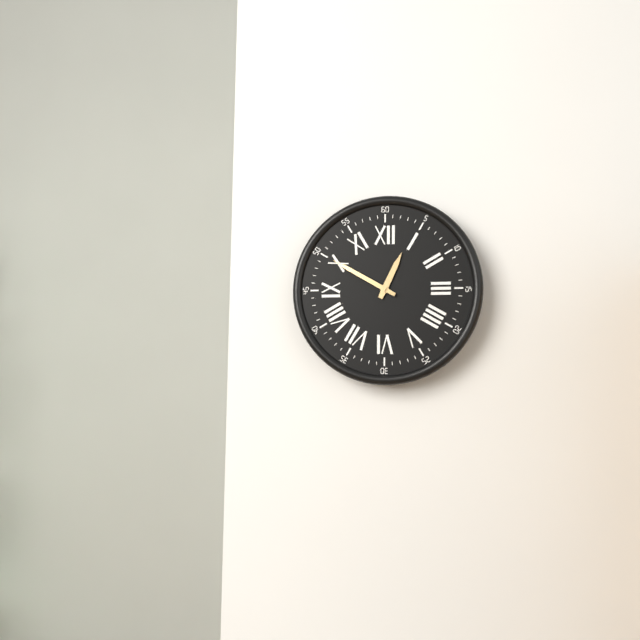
12:50
